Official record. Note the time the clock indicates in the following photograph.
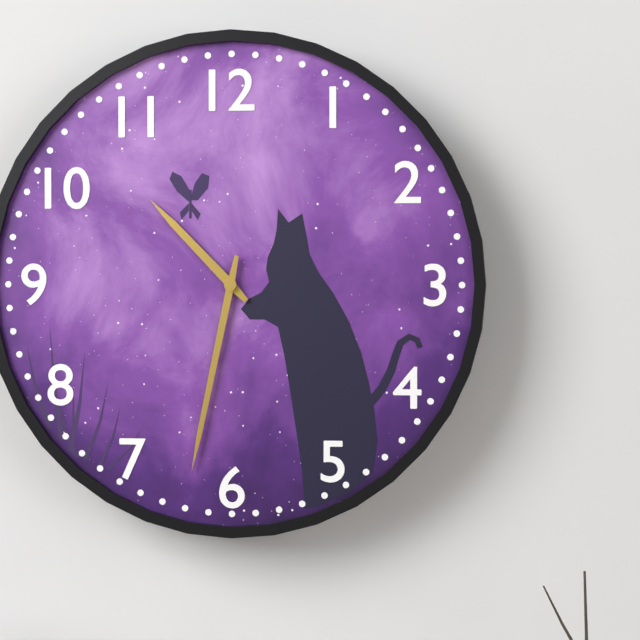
10:32
